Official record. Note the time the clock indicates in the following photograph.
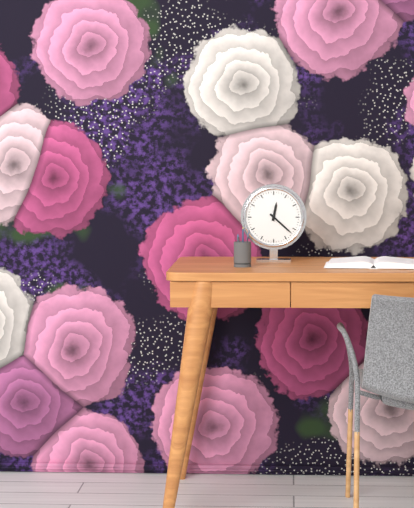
12:22
